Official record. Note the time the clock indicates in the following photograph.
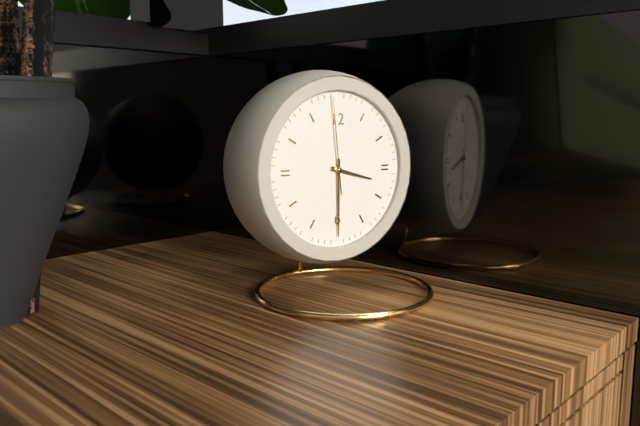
3:30:59
